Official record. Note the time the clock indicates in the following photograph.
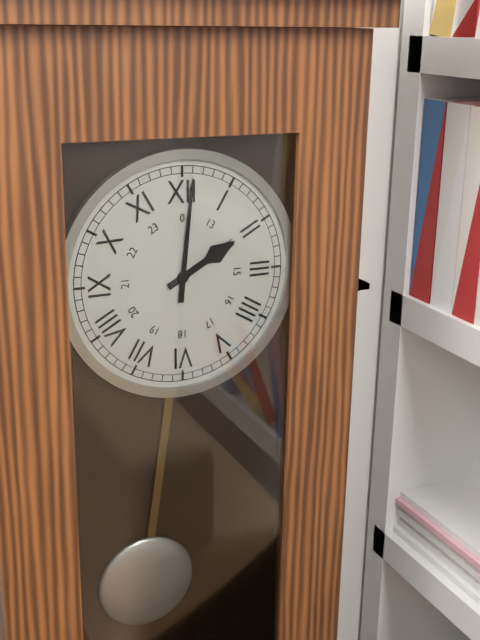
2:01
